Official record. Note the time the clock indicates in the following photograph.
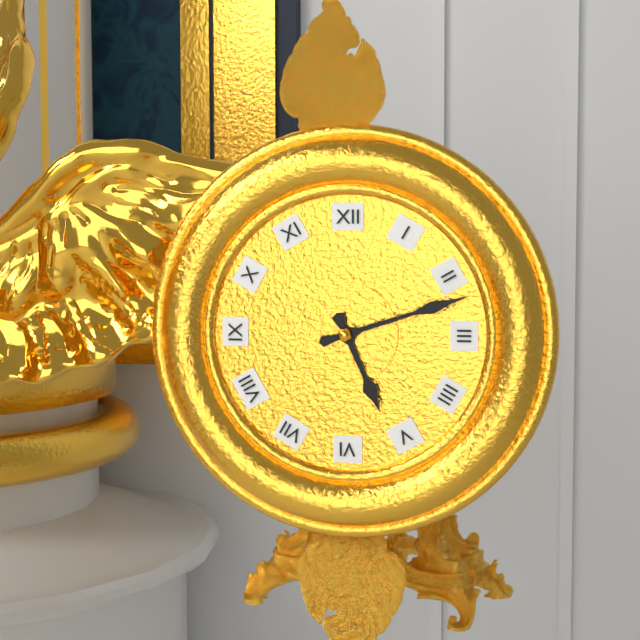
5:12
